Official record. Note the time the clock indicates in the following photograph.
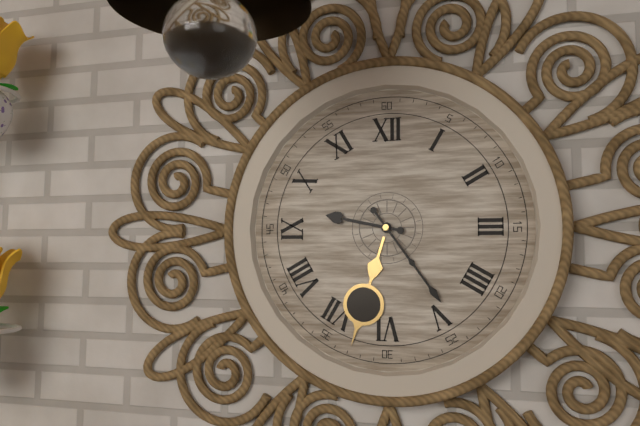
9:24
